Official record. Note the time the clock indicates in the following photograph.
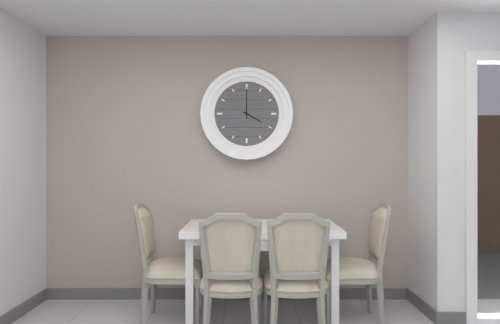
4:00
